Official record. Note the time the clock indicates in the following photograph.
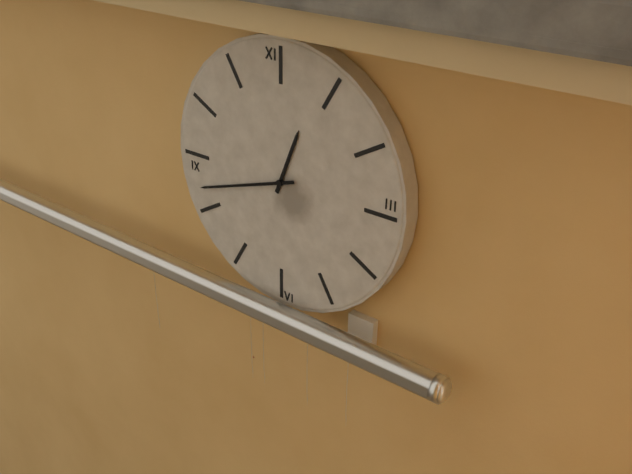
12:42
